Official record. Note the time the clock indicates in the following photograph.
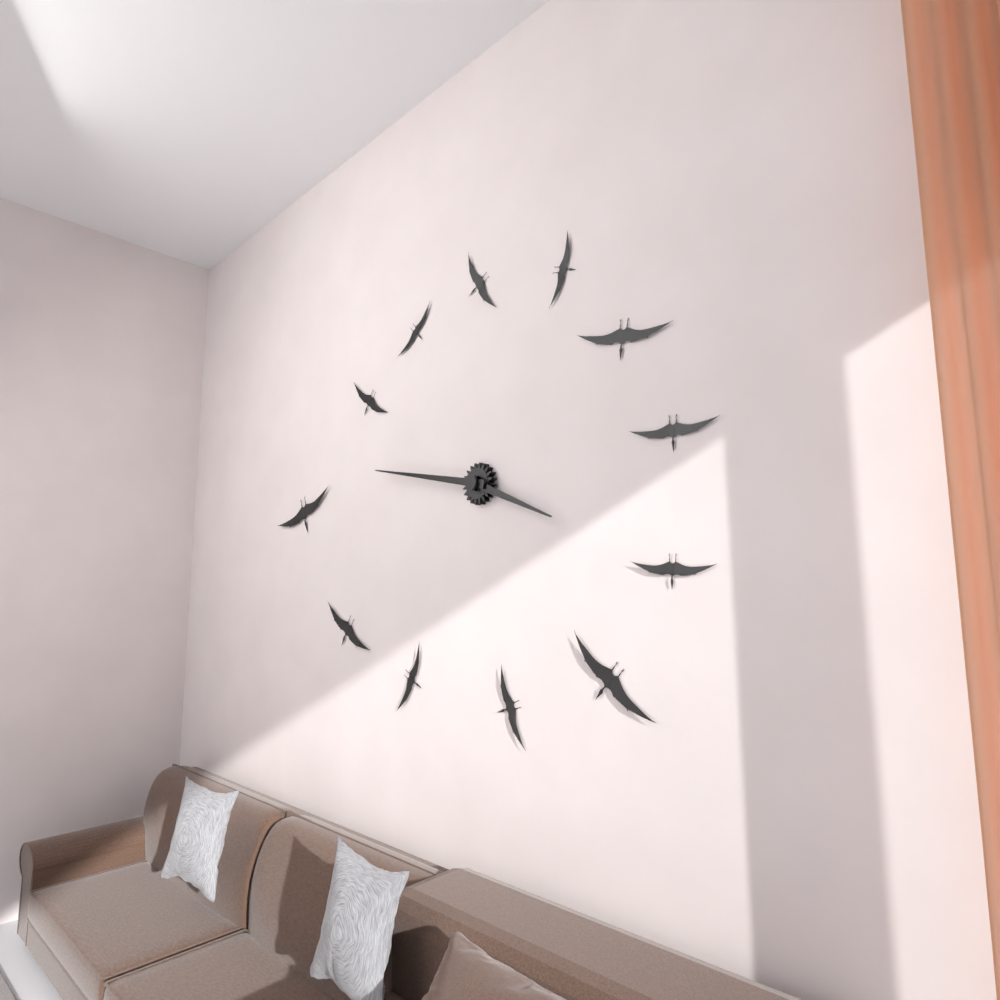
3:47
